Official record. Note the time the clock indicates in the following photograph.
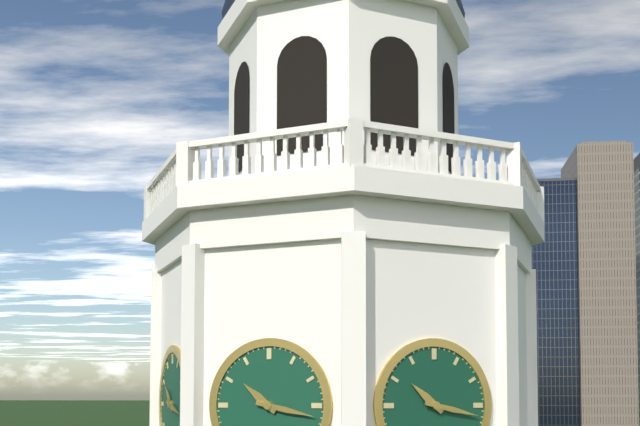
10:17
